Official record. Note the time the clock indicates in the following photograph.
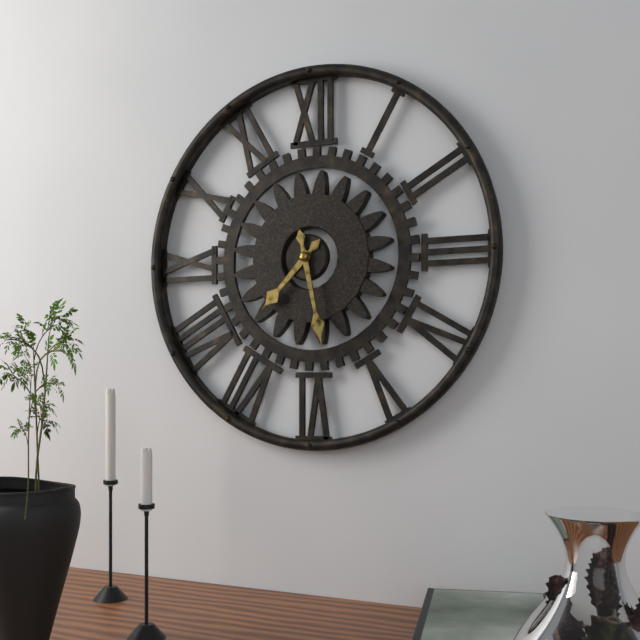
7:28
